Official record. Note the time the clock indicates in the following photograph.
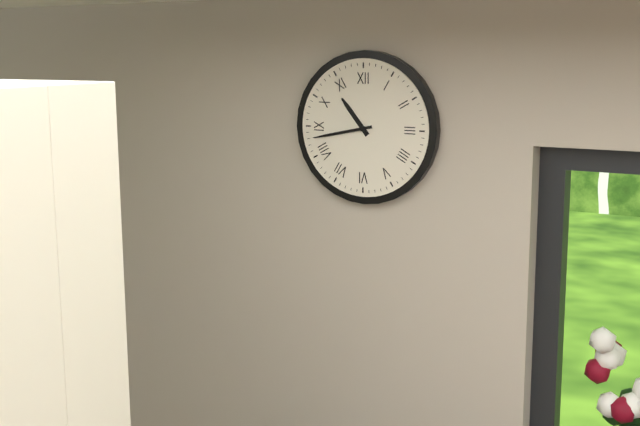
10:43
